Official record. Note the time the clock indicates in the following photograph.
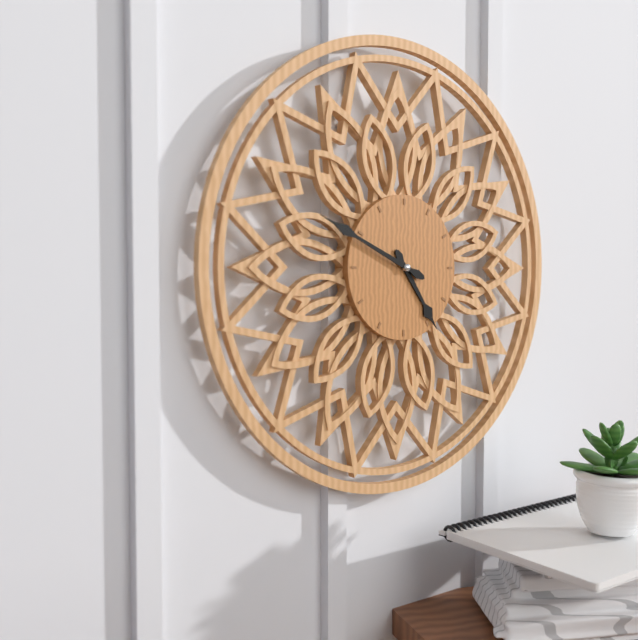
4:49
